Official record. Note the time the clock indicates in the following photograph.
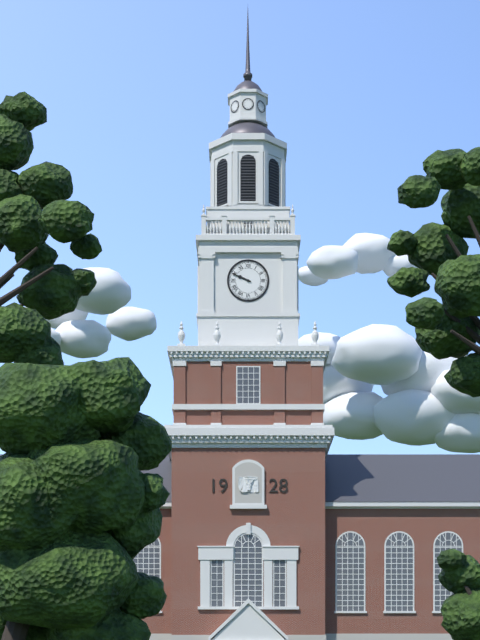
9:49
